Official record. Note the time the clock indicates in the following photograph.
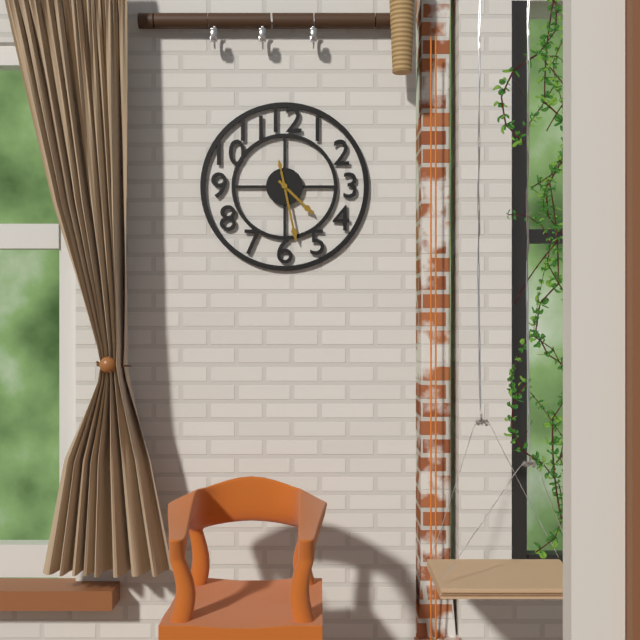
4:28
